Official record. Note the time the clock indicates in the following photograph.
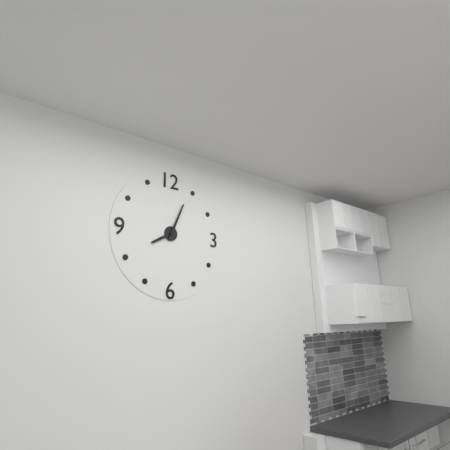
8:04
